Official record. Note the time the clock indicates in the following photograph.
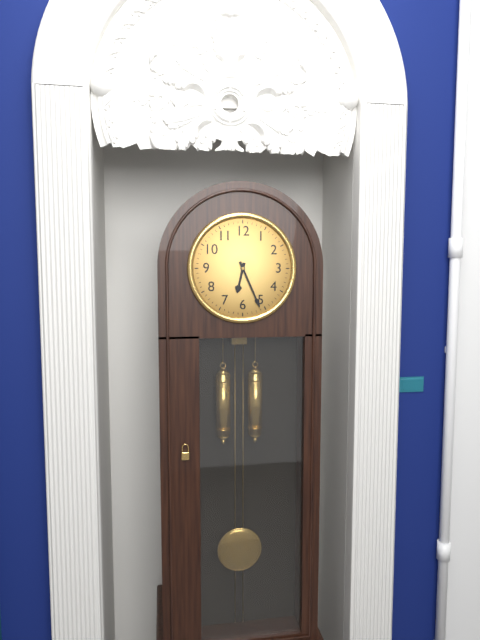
6:26
